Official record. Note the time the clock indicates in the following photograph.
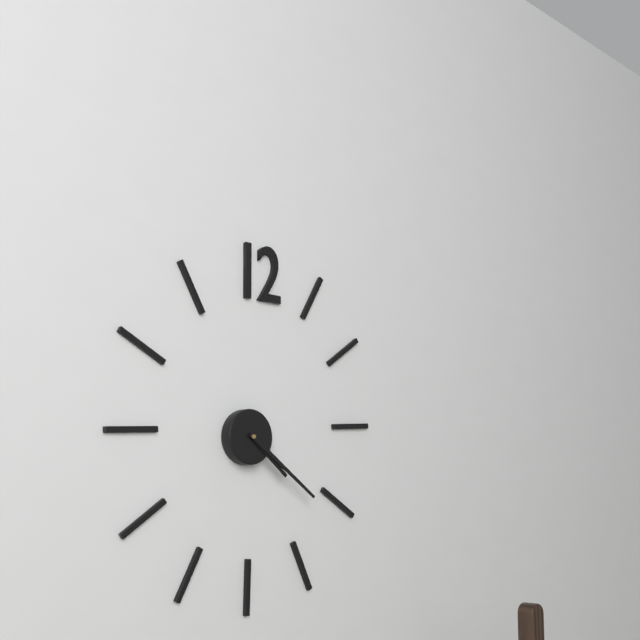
4:21
